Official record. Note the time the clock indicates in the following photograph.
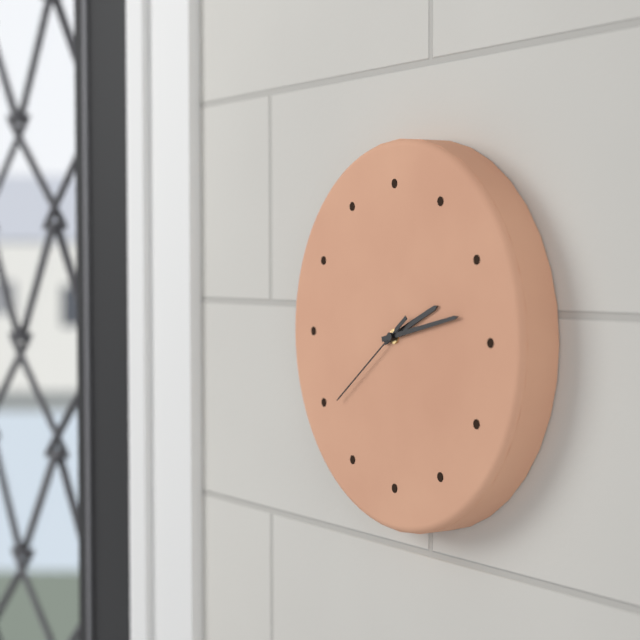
2:13:39
